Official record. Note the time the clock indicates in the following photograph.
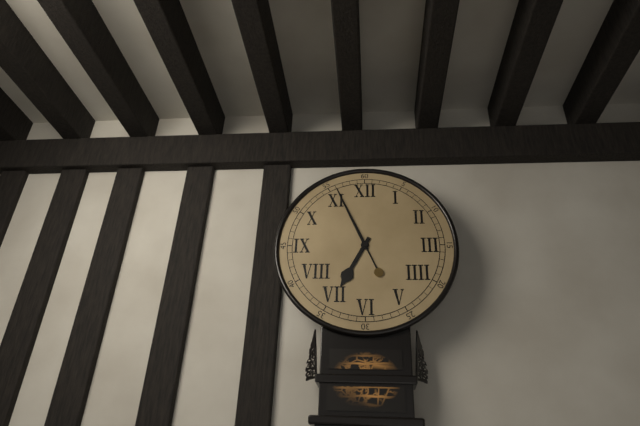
6:56
